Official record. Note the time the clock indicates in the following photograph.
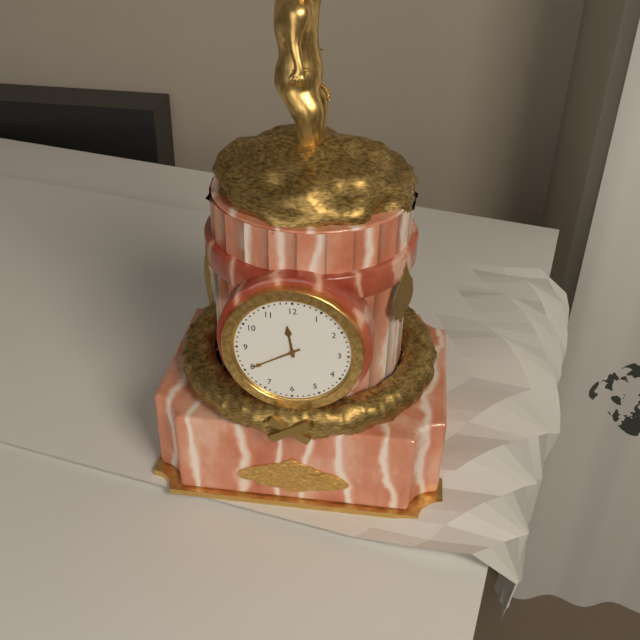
11:40
